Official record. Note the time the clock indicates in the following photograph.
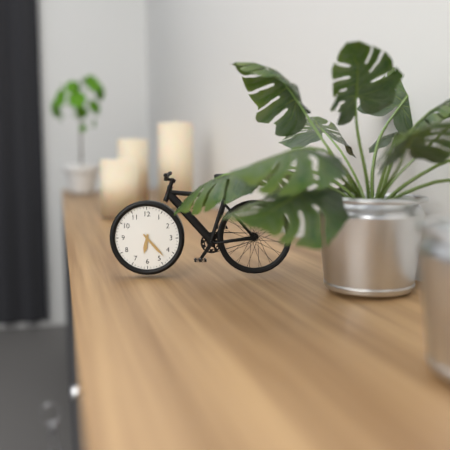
6:23
